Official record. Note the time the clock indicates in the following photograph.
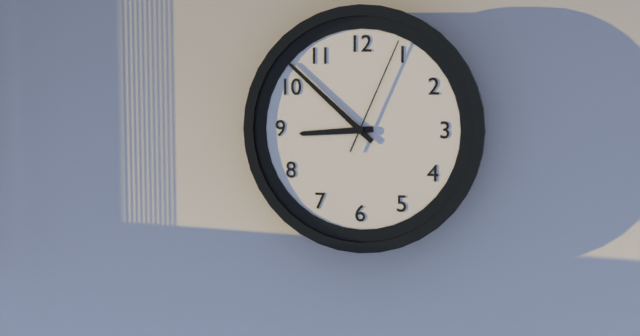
8:52:04
